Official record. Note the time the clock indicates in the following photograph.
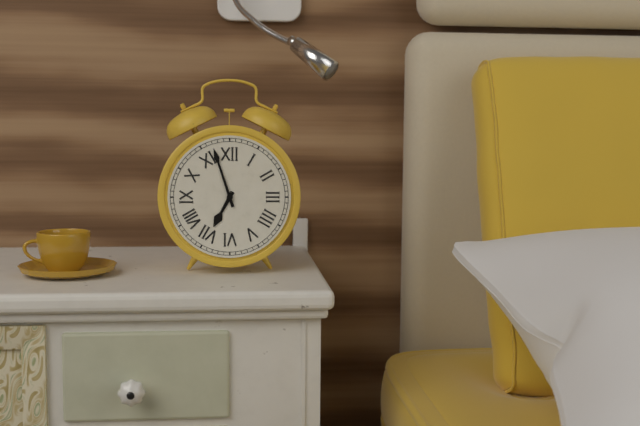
6:57
